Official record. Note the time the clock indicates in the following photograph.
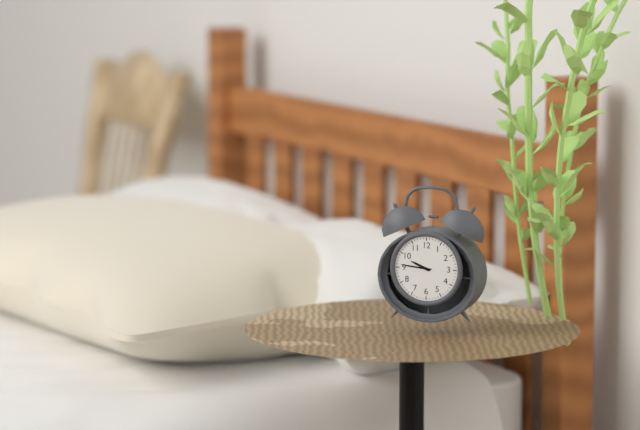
9:46
